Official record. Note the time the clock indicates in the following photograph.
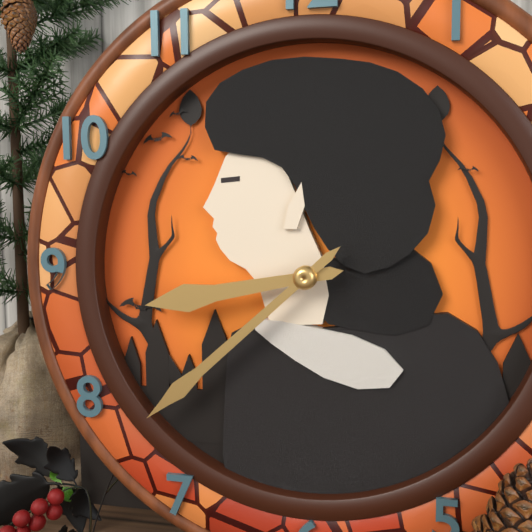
8:38
